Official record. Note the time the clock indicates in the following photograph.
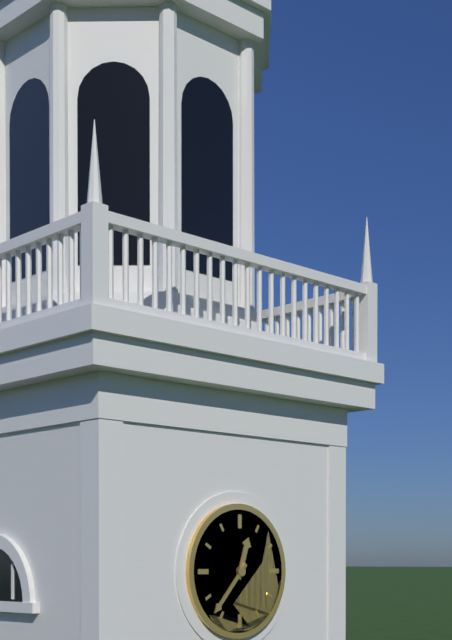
12:37
